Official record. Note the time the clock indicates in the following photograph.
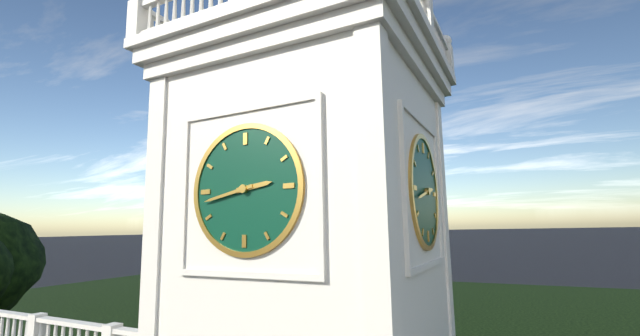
2:43
